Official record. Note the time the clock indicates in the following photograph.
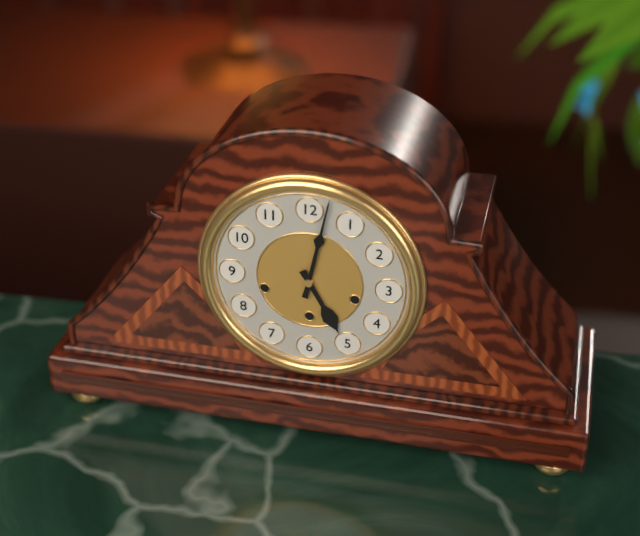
5:02
